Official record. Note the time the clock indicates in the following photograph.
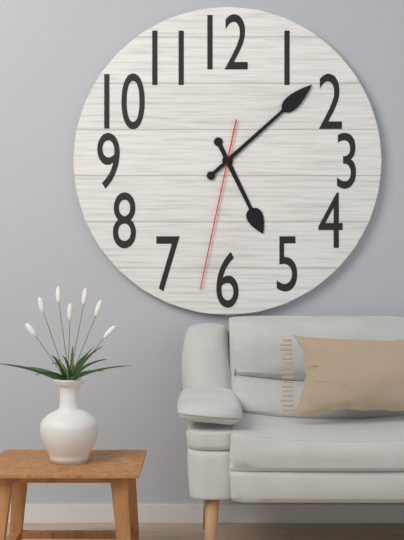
5:08:32
